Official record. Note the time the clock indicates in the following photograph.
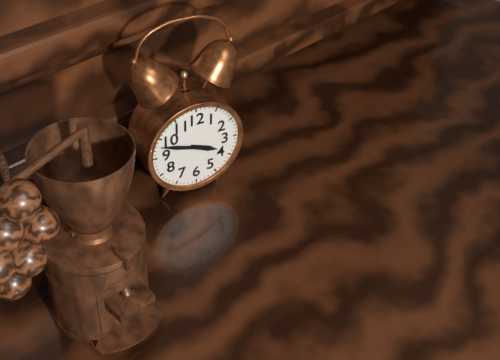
3:48
